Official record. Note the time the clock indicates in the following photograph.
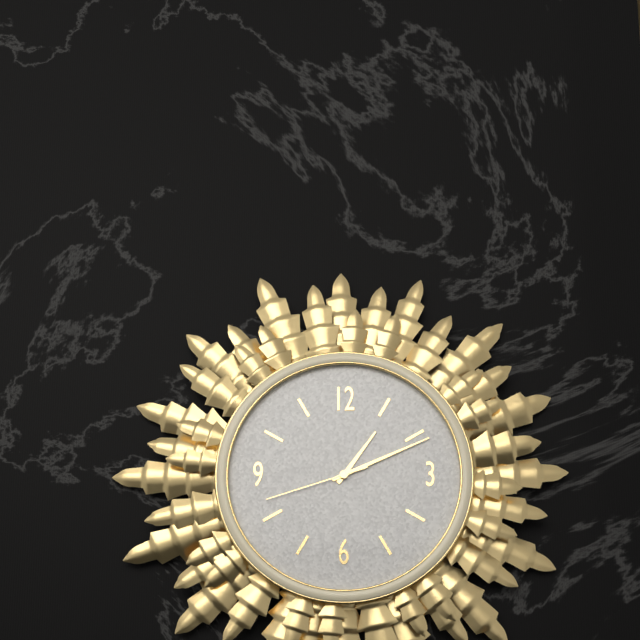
1:11:42
